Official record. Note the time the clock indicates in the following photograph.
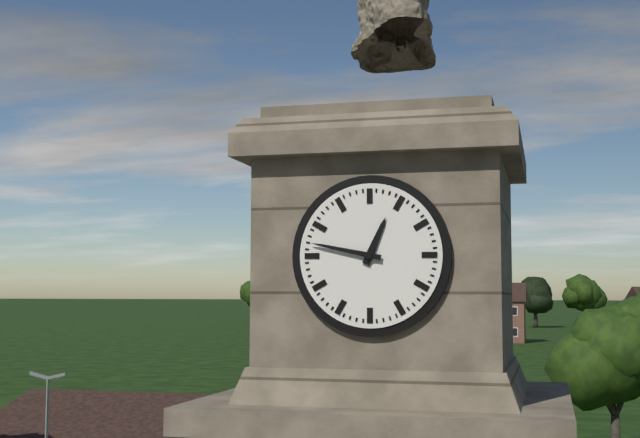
12:47
